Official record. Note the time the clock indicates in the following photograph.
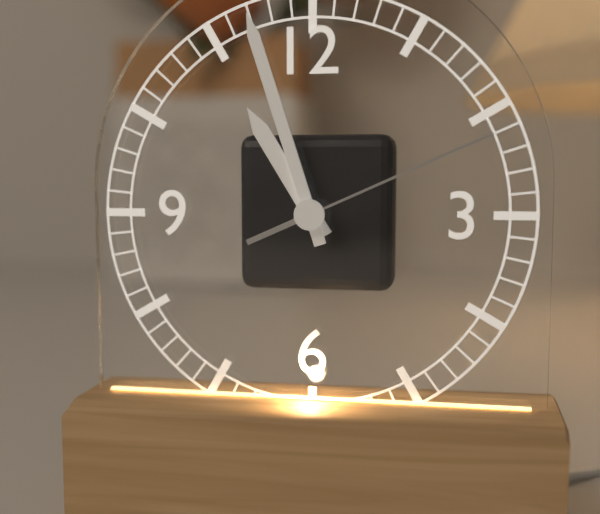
10:57:11
